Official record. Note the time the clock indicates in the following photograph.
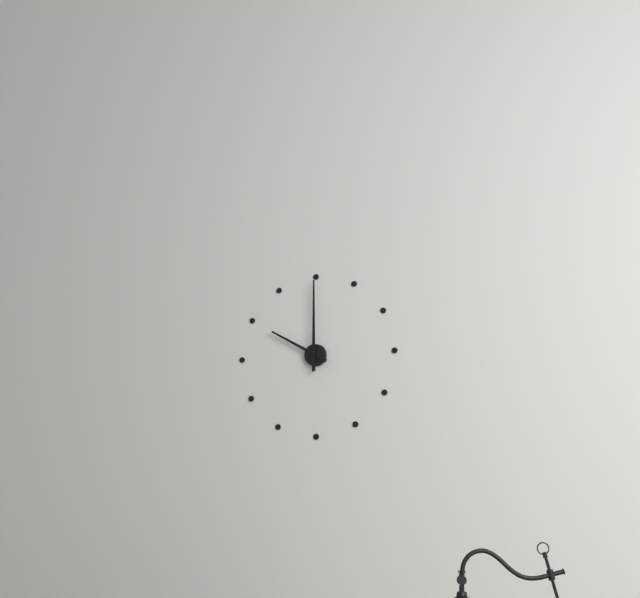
10:00
